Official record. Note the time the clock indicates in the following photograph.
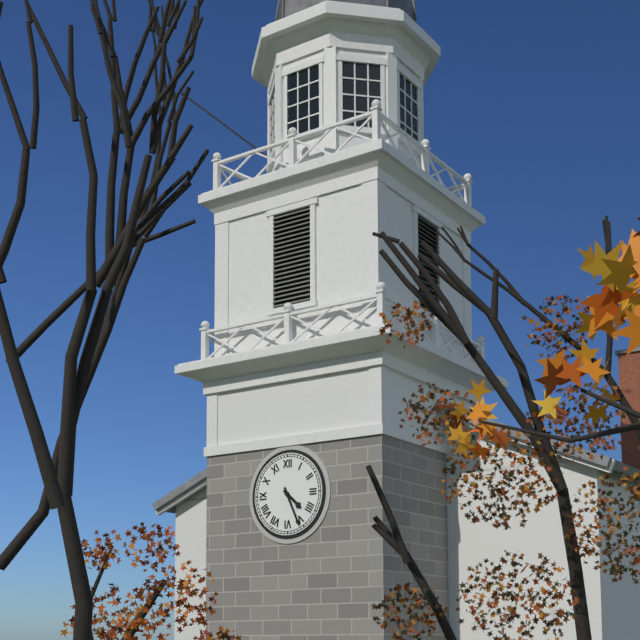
4:26
